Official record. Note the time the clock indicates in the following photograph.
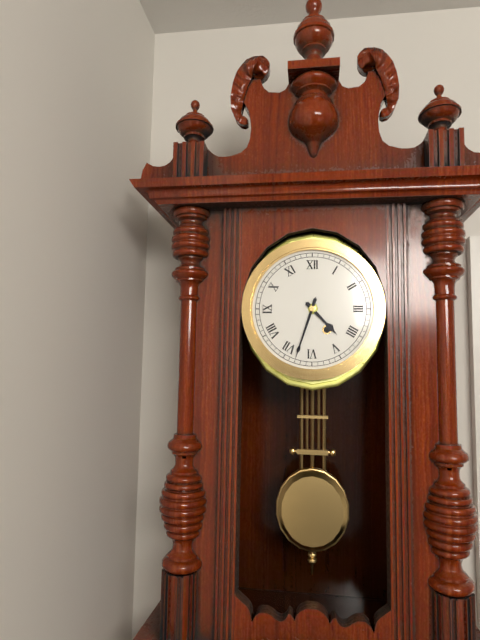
4:33
